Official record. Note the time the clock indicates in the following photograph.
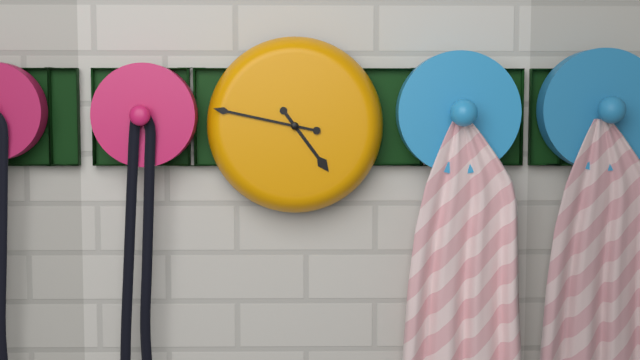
4:47
